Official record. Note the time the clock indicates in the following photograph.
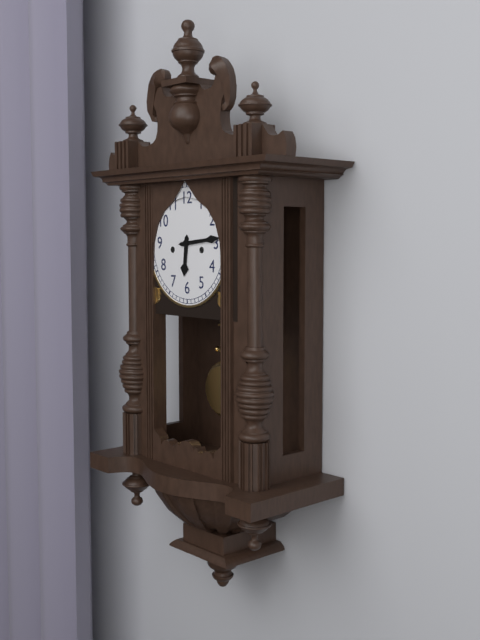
6:14
